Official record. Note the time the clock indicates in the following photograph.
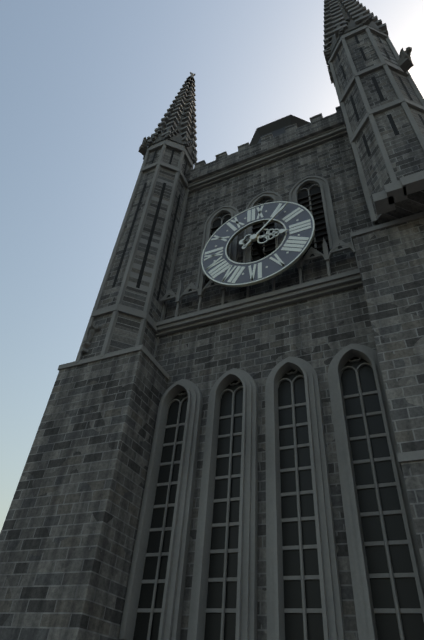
3:07
